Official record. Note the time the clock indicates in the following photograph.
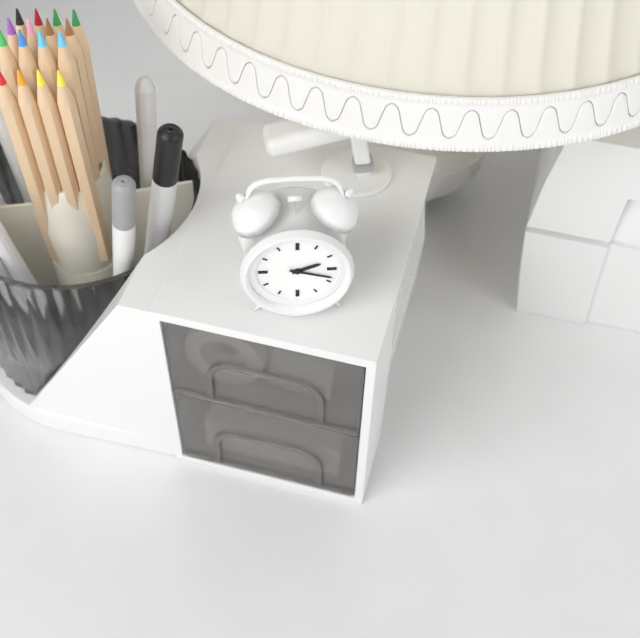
2:18
